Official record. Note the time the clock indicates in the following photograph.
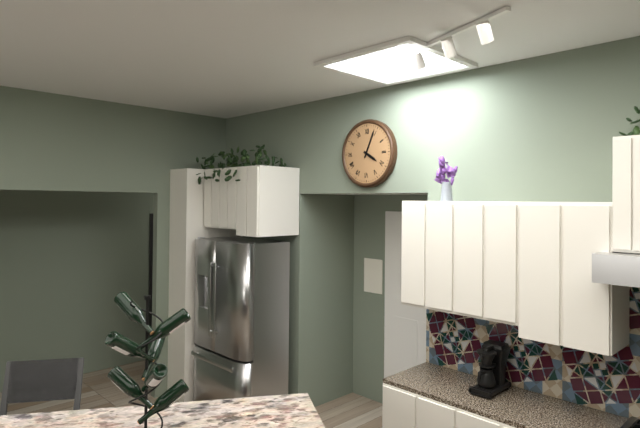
4:04
